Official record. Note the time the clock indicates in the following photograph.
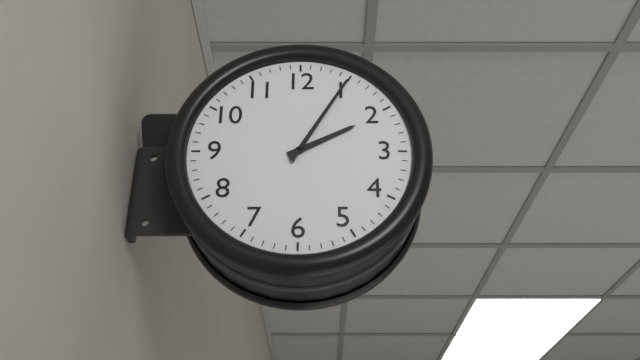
2:05
